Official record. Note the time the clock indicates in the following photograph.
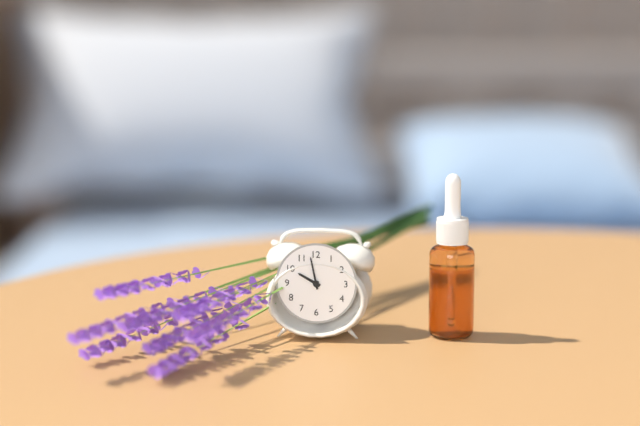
9:58
